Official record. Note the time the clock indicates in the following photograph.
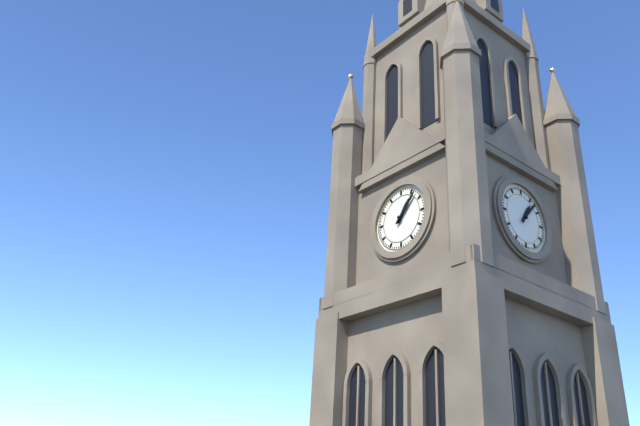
1:07
